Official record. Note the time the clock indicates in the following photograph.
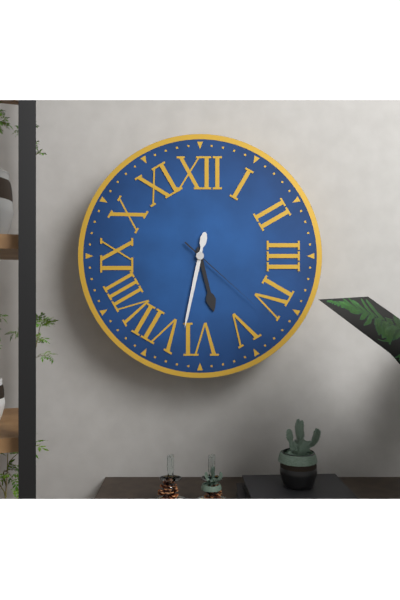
5:32:22
